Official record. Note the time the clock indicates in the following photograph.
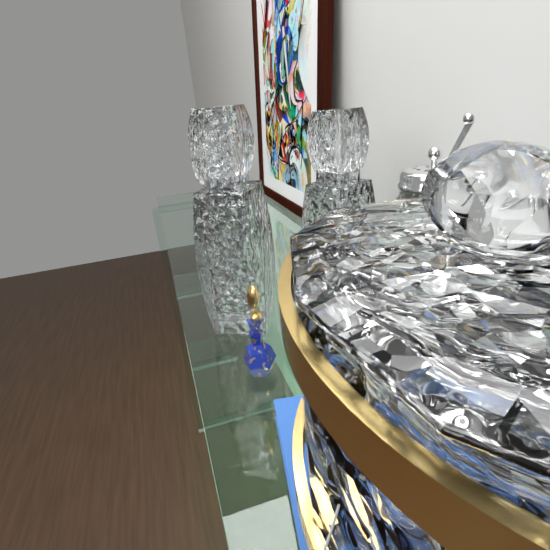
9:50
